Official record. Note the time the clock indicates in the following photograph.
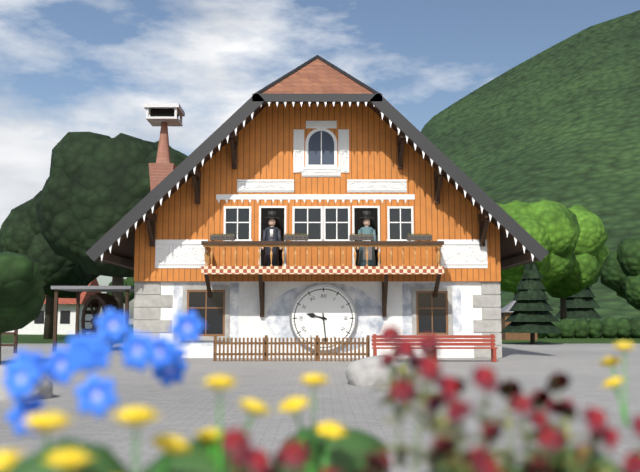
9:29
